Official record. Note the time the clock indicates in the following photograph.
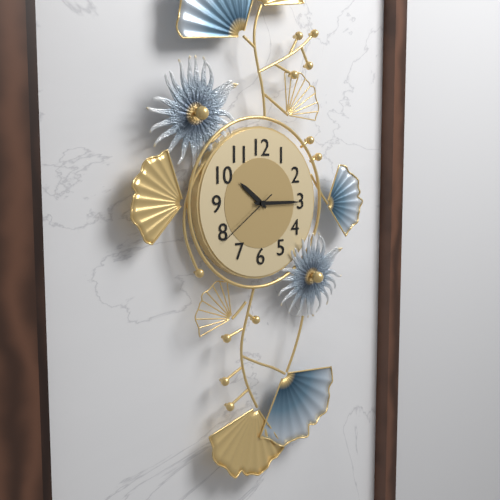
10:15:39
